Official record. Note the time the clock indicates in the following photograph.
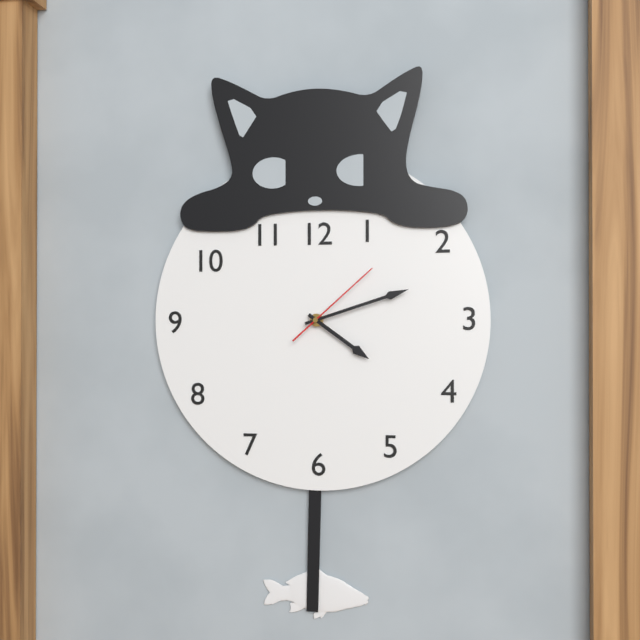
4:12:08
